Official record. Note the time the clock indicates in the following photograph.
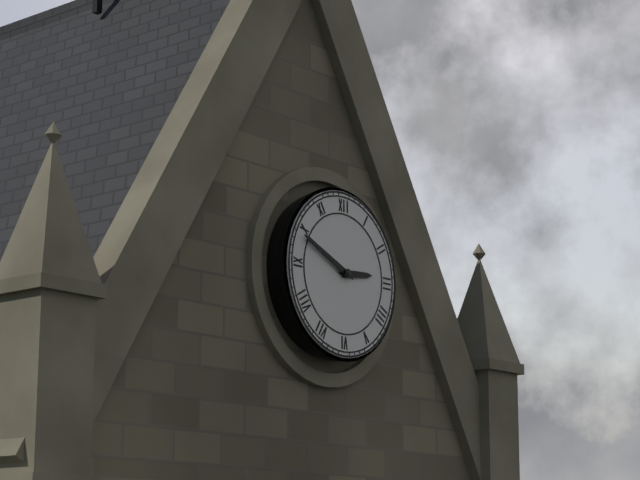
2:49
